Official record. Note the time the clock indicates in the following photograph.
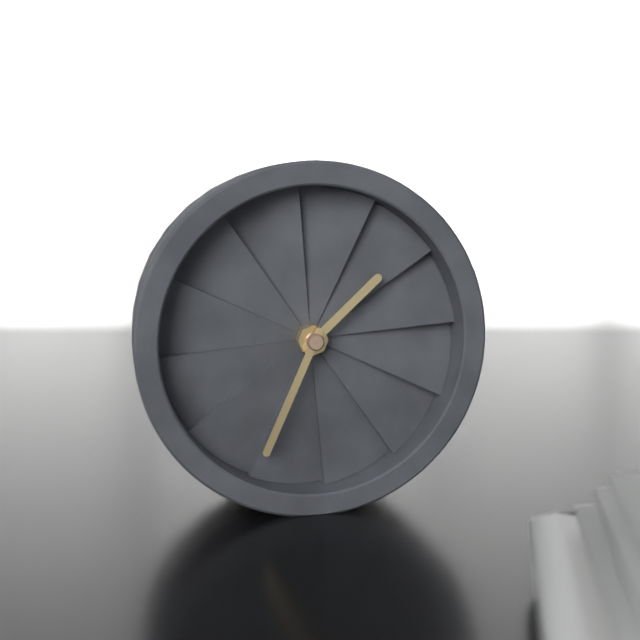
1:34
